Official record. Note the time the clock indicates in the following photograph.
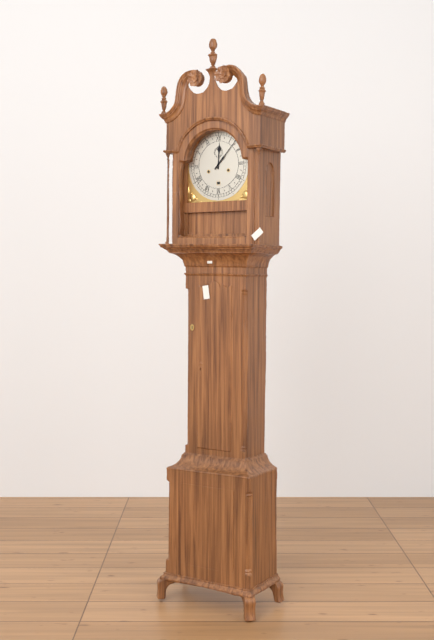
12:07
